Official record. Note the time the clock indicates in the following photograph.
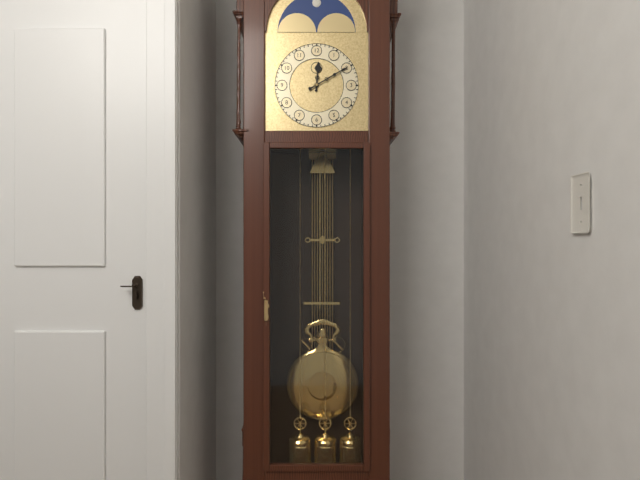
12:10
